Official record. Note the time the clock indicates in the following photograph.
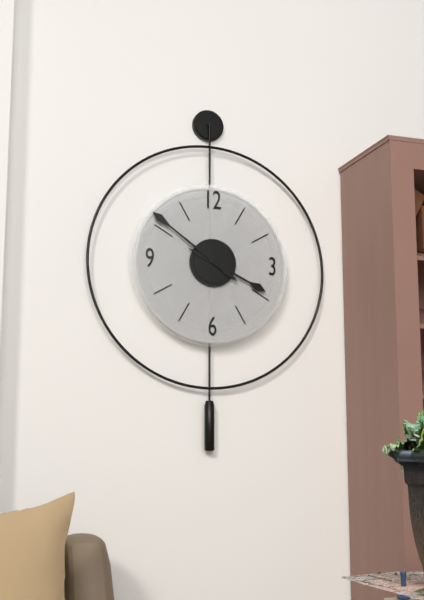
3:51
